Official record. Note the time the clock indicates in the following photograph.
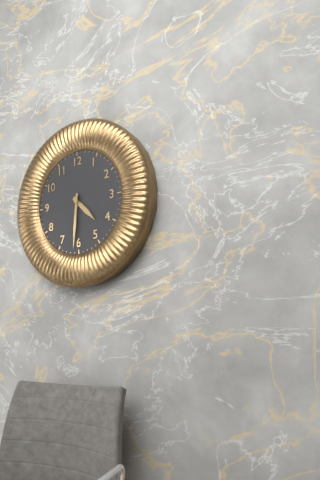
4:31
